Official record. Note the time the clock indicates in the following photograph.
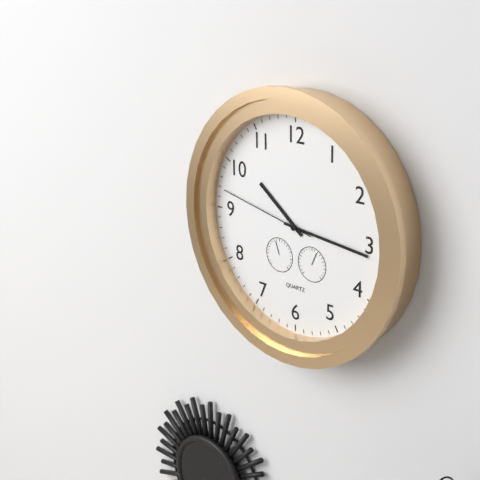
10:16:47
